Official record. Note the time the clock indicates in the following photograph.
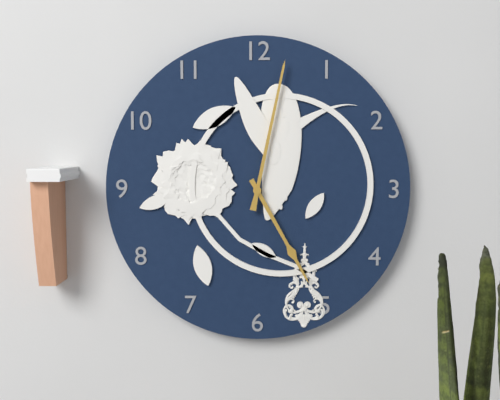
5:02
